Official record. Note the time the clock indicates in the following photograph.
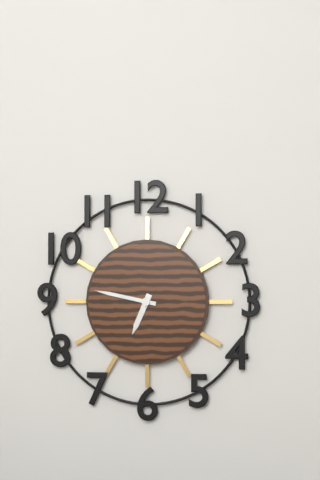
6:47
